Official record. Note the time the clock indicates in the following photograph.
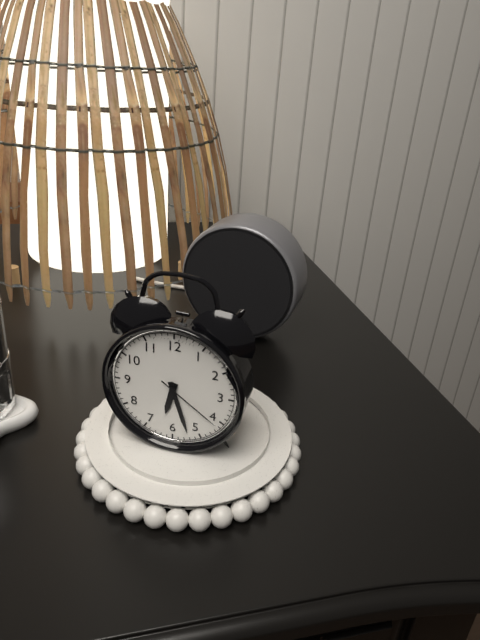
6:27:21
